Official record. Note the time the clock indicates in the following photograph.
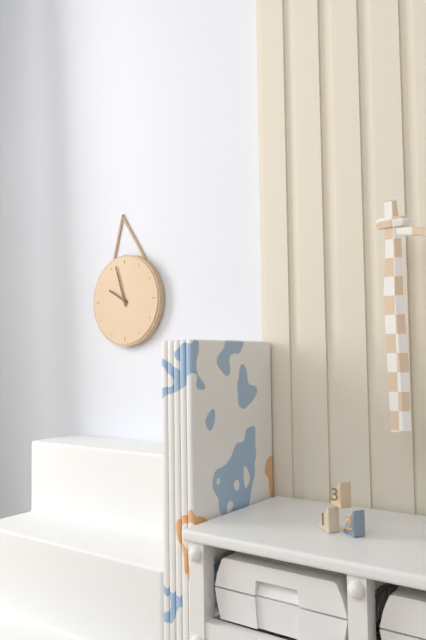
9:57
